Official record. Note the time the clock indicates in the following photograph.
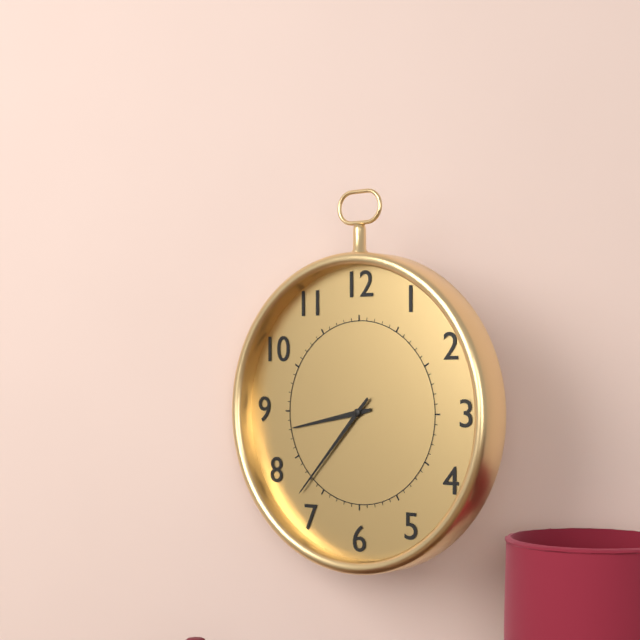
8:37
